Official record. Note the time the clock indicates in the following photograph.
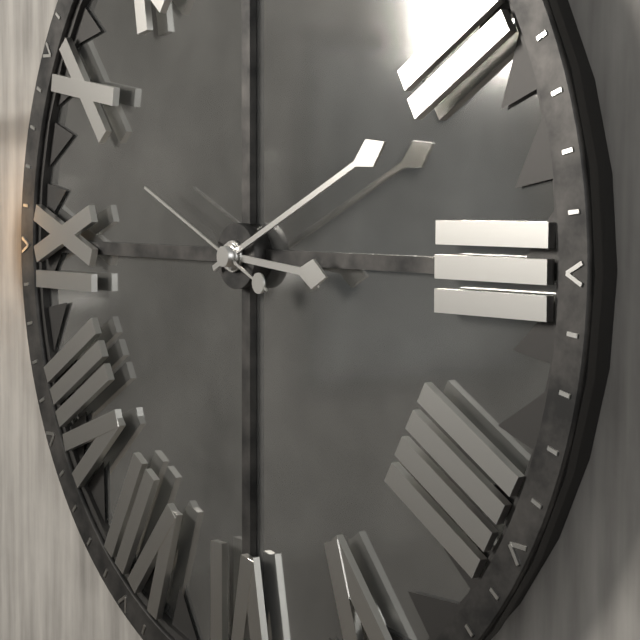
3:11:49
